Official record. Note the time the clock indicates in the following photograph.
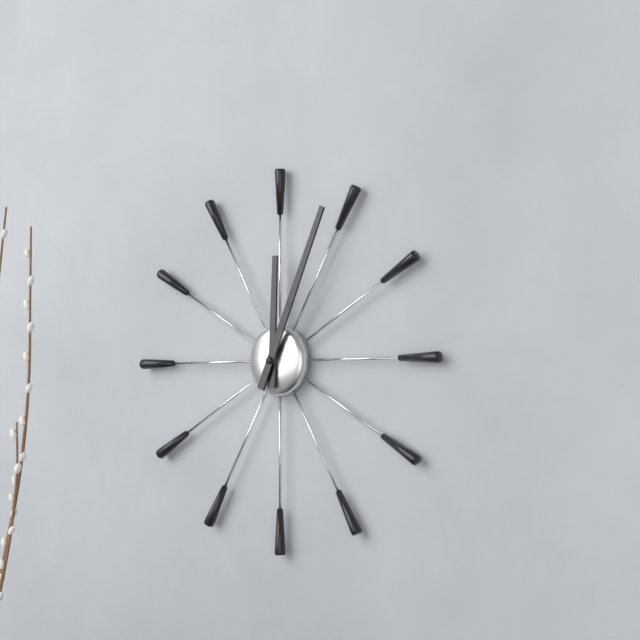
12:04
